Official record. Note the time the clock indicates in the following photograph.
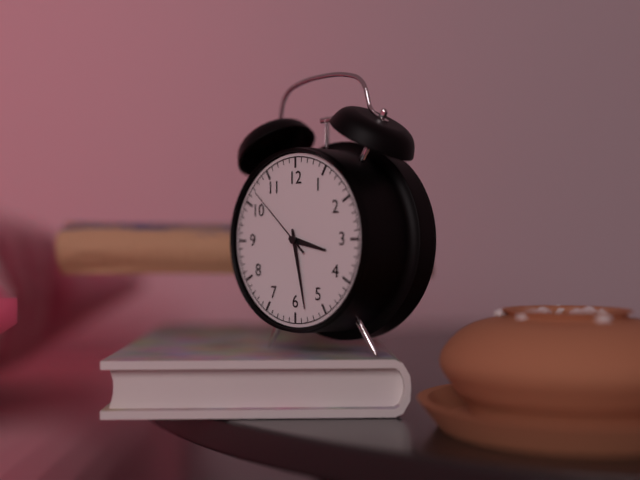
3:28:52
